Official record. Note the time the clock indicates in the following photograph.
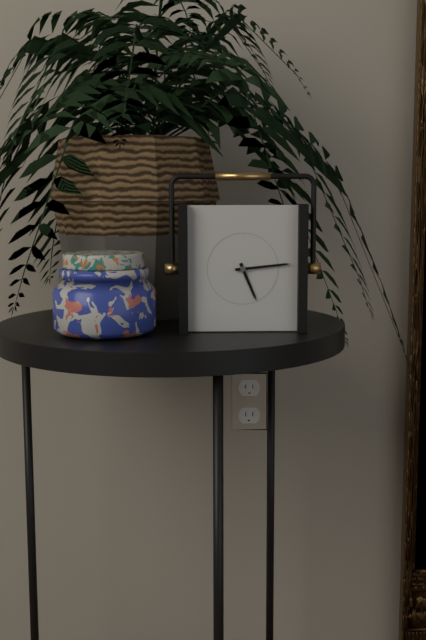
5:14
